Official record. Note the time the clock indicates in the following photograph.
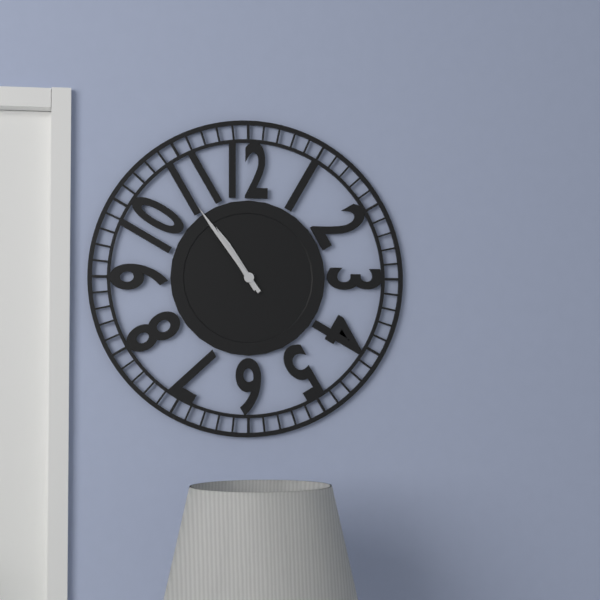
10:54
